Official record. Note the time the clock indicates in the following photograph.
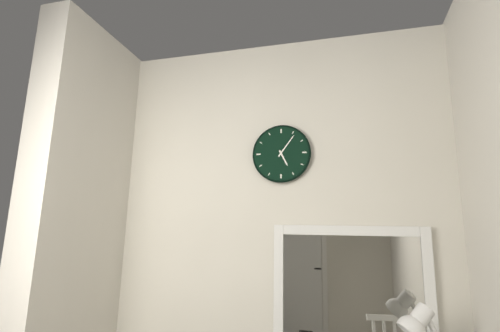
5:06
